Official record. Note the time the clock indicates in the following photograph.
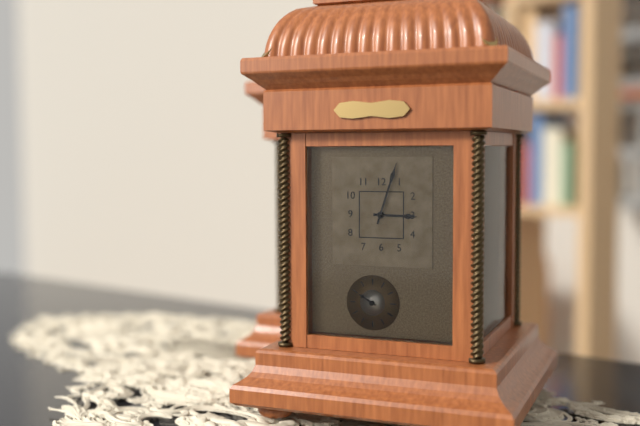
3:03
